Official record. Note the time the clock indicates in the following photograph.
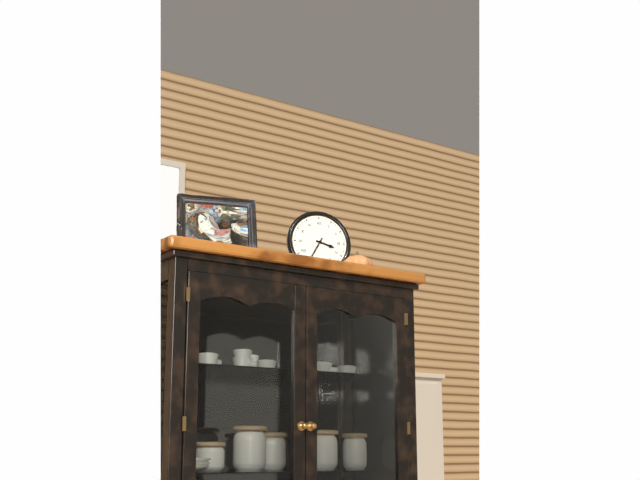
3:35
